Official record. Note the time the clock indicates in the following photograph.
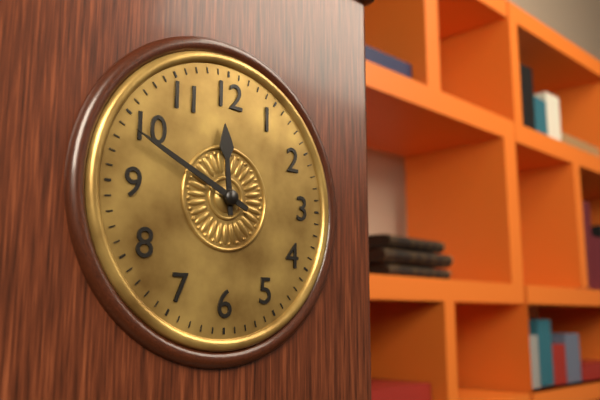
11:49
